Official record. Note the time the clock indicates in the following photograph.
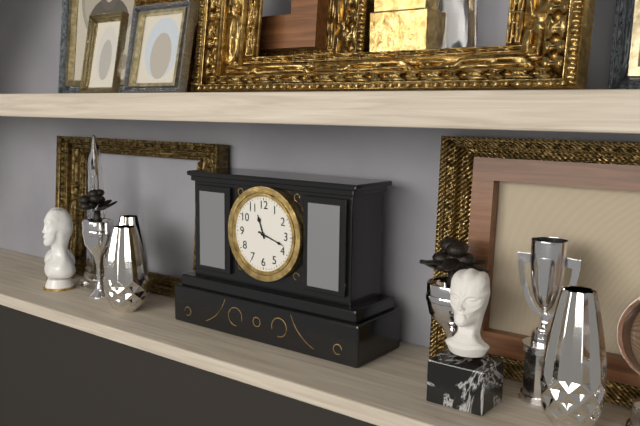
11:18
